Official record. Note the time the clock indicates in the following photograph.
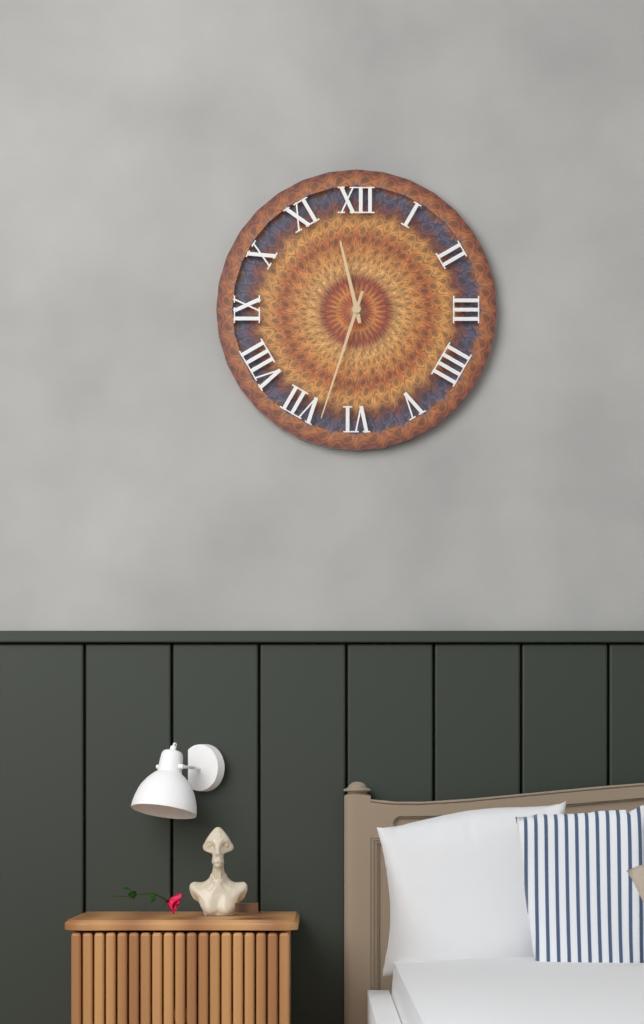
11:33
